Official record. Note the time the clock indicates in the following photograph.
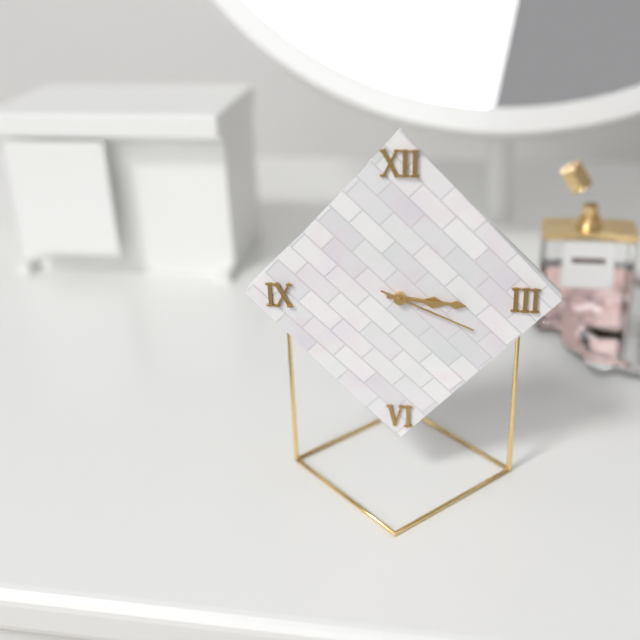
3:16:19
